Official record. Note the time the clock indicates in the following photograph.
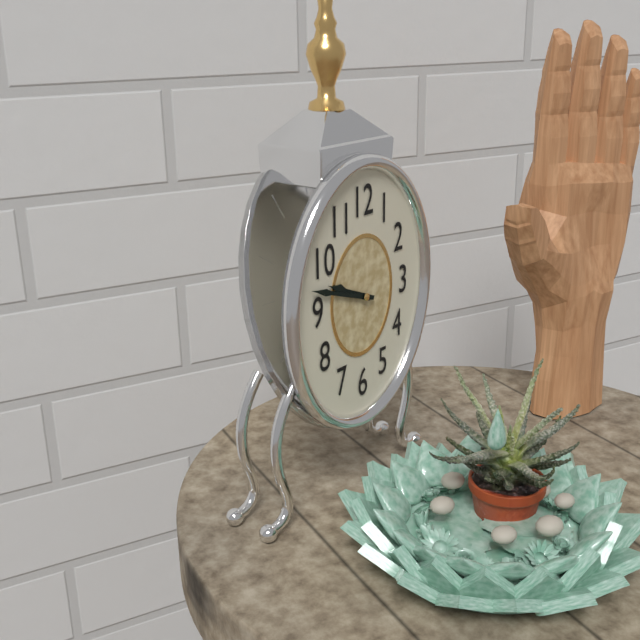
9:48
